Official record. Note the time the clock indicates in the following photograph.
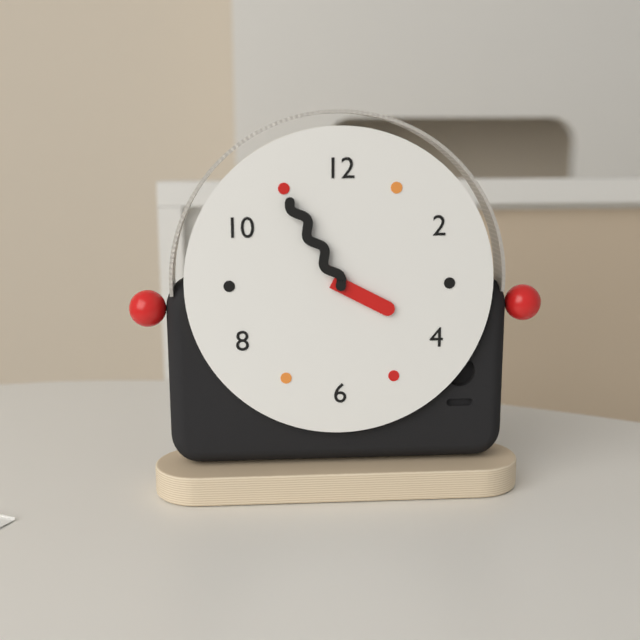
3:55
